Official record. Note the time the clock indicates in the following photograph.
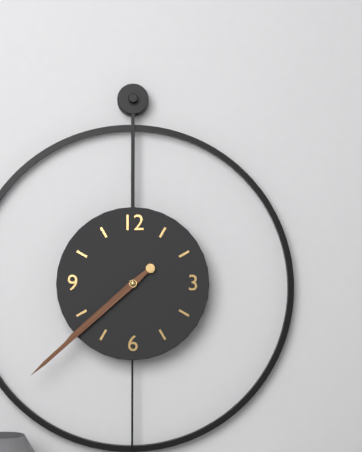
7:38
